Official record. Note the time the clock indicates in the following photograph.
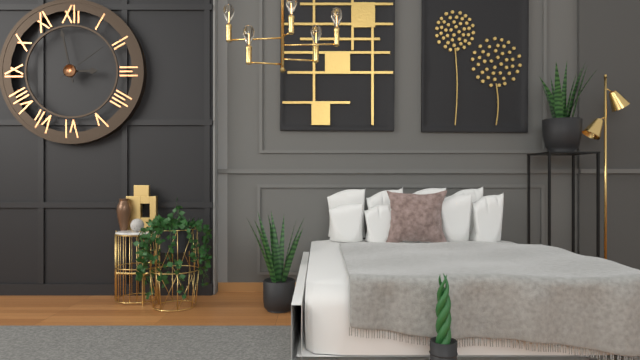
2:58:09
